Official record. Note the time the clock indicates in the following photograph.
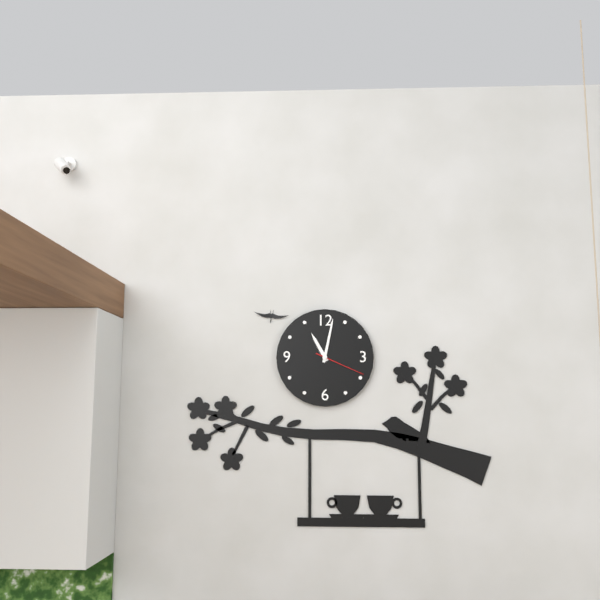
11:02:19
